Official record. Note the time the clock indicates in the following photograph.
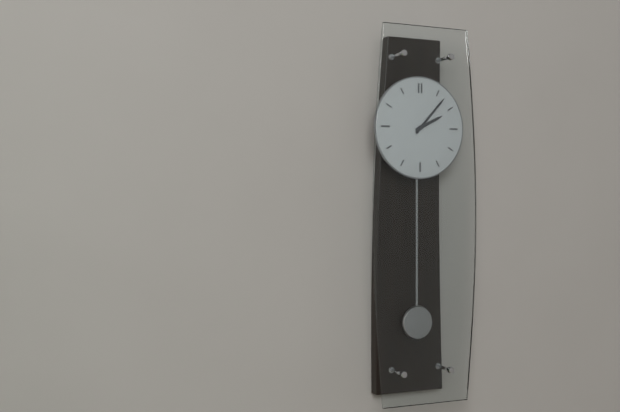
2:07
